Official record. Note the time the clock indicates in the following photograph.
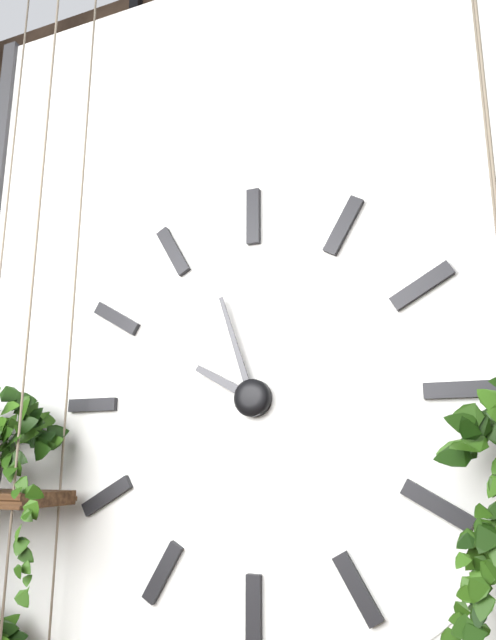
9:57
